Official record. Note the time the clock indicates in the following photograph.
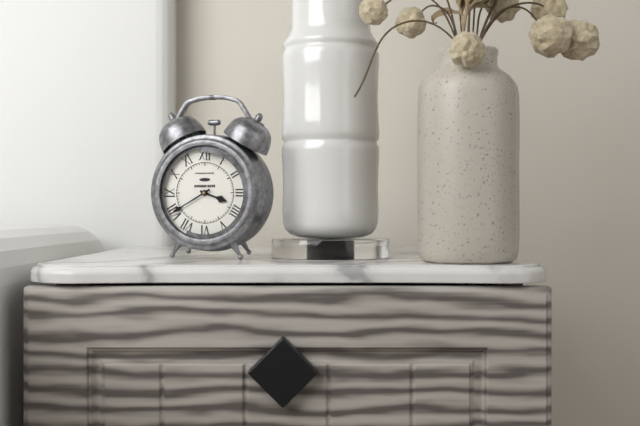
3:40
